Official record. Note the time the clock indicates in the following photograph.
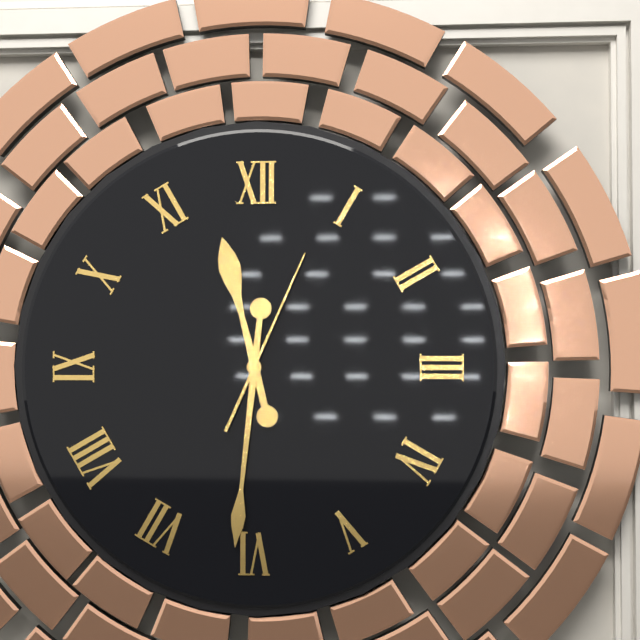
11:31:04
